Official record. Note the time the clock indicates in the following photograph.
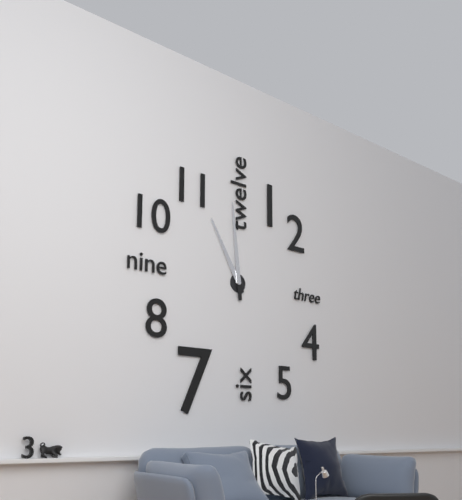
10:59
